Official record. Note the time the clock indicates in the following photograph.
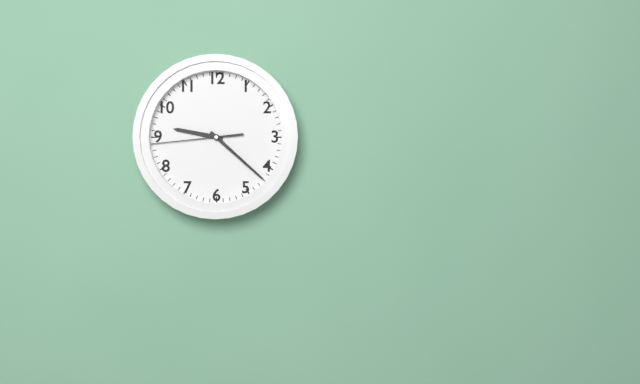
9:22:44
